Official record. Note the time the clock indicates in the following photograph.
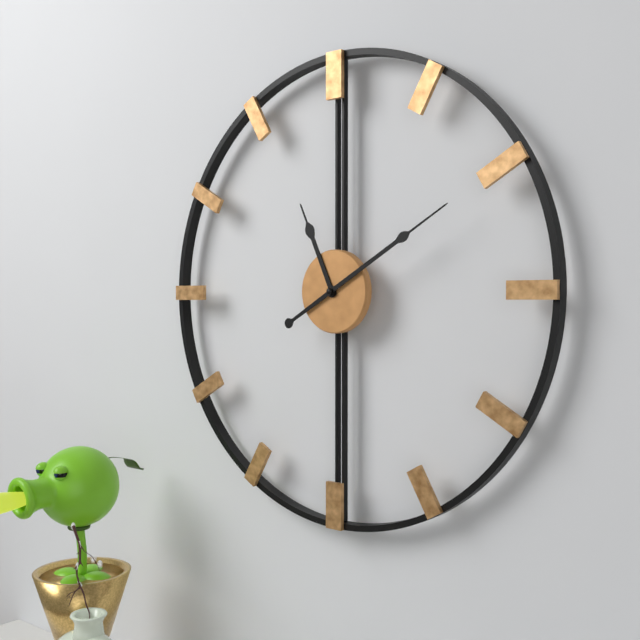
11:10
